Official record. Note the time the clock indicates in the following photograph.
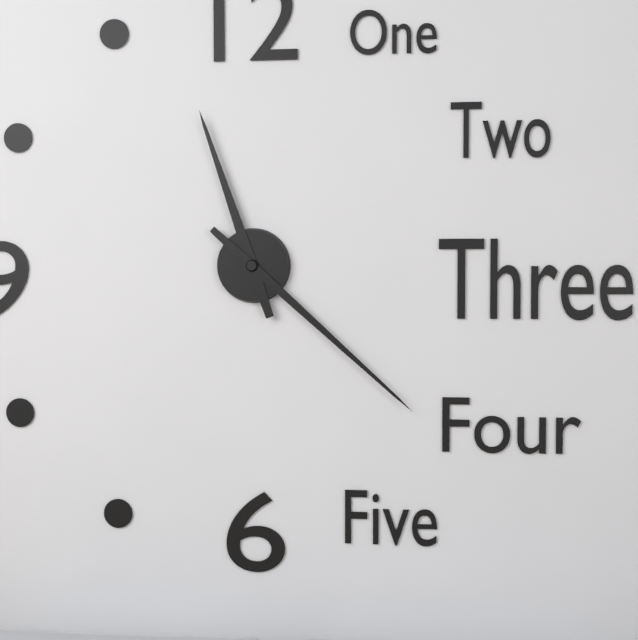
11:22
